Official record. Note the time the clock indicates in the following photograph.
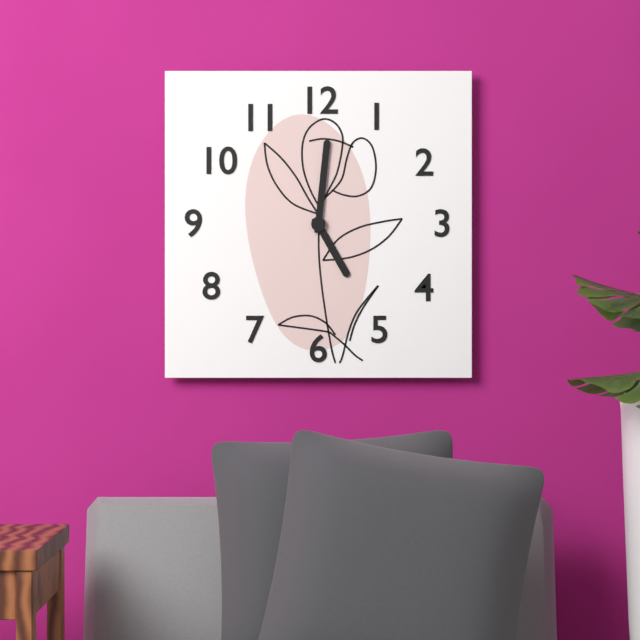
5:01
